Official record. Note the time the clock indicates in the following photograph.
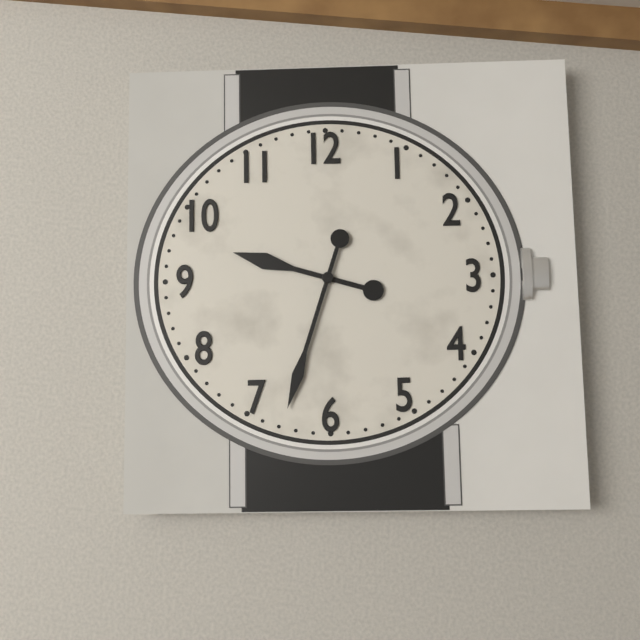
9:33
